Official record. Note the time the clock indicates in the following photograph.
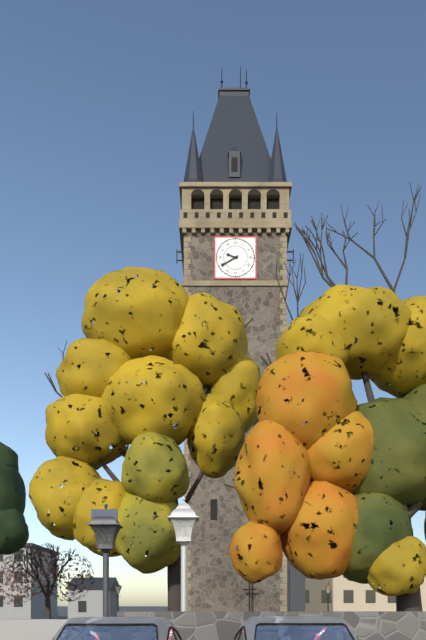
9:40
